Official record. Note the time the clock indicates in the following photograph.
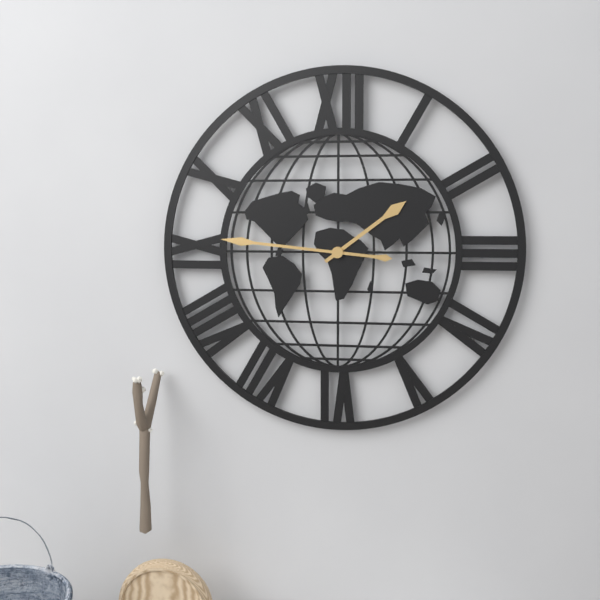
1:46
